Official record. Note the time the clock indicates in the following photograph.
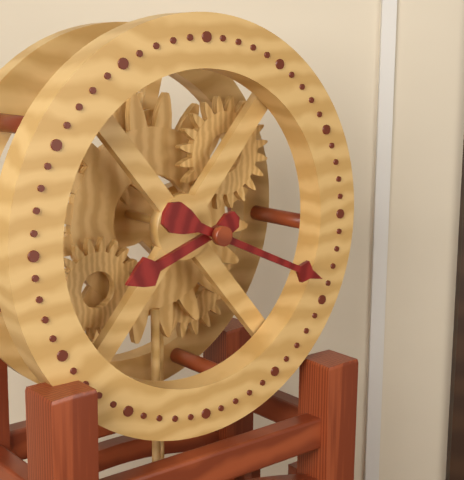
8:19
